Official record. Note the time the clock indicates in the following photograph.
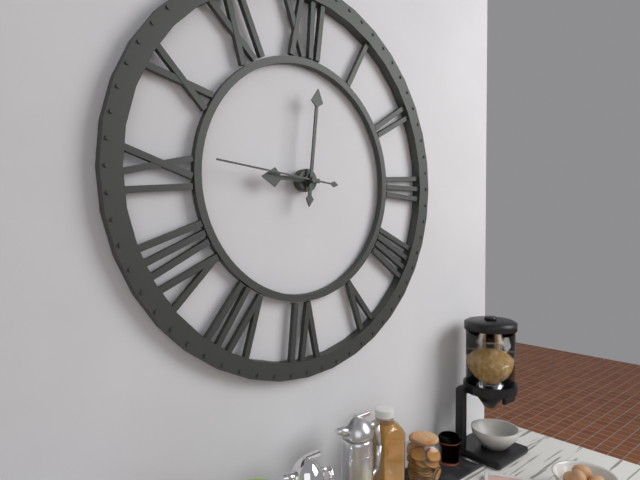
9:01:46
